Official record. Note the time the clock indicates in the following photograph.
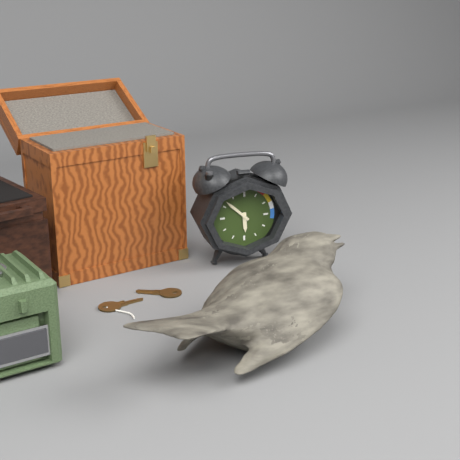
5:52
